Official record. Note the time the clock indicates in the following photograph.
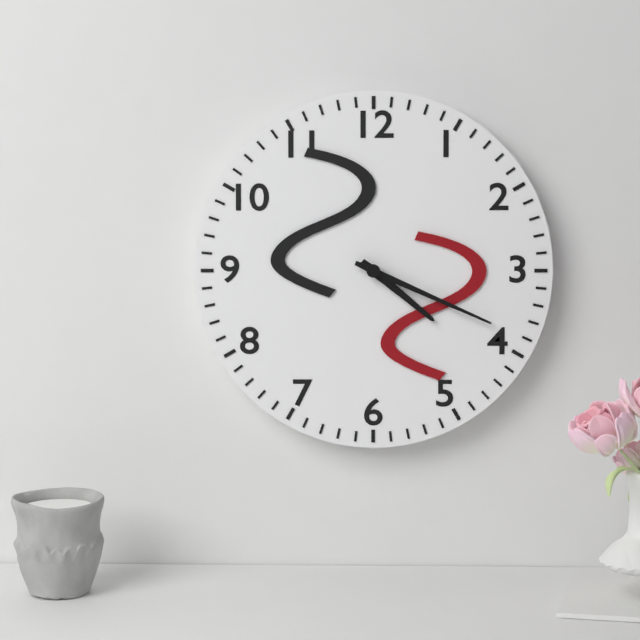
4:19
